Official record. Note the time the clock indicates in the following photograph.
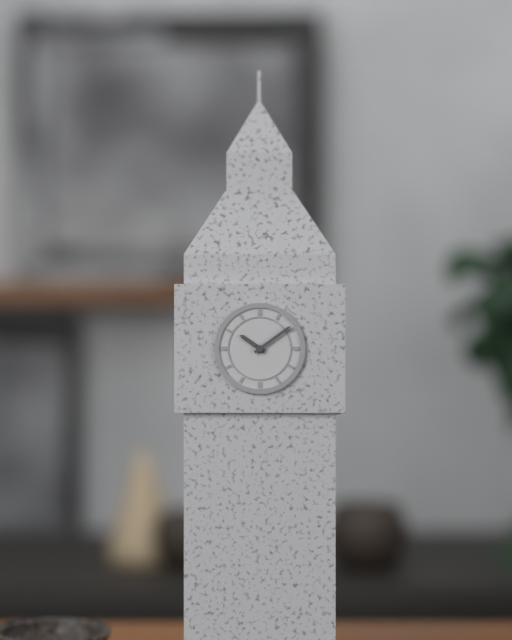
10:09
